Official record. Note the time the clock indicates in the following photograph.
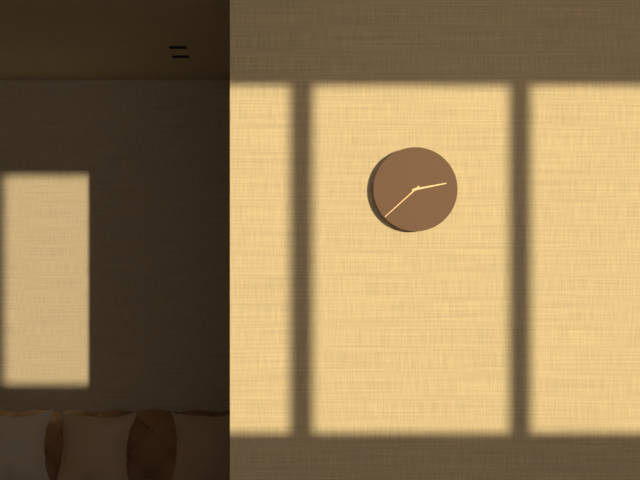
2:38
